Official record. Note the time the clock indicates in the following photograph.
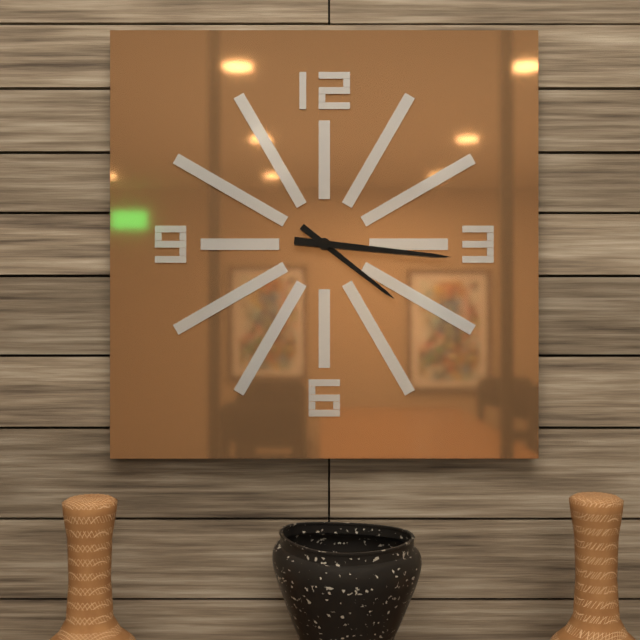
4:16
